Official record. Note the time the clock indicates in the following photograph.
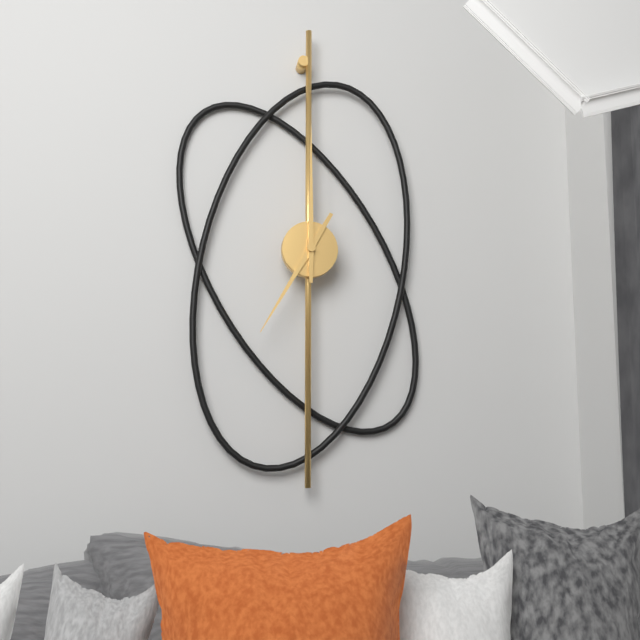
7:00
